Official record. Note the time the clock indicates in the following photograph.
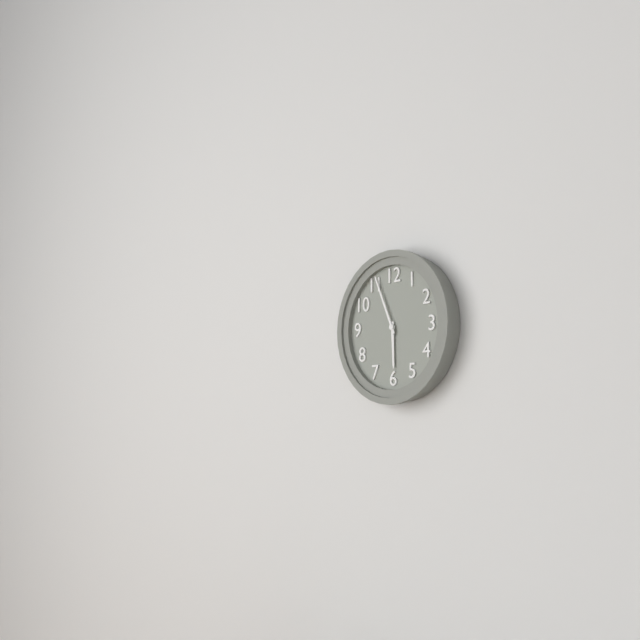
5:56
